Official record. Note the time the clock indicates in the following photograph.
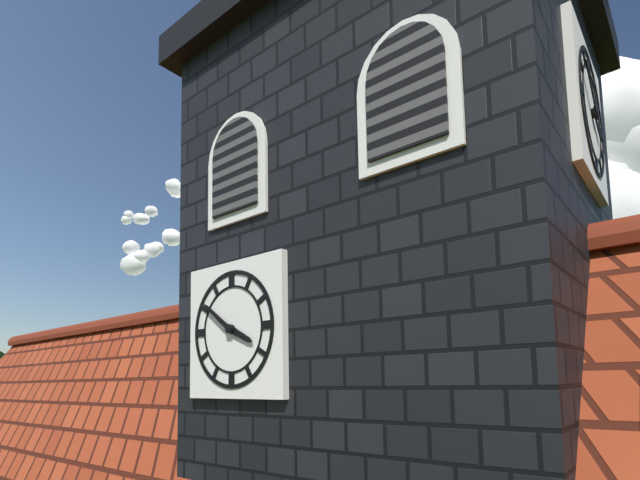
3:51
